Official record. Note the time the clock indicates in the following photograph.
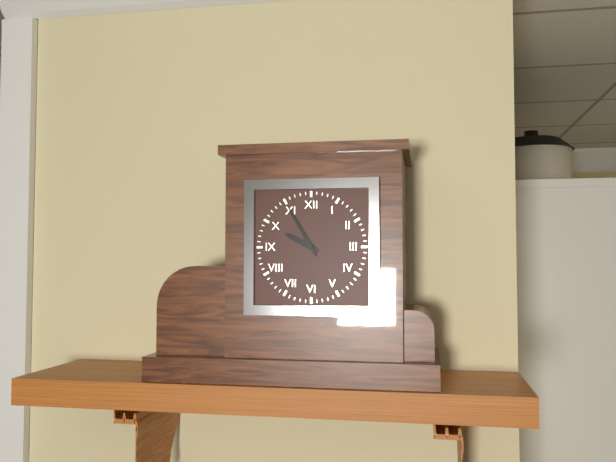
9:55
